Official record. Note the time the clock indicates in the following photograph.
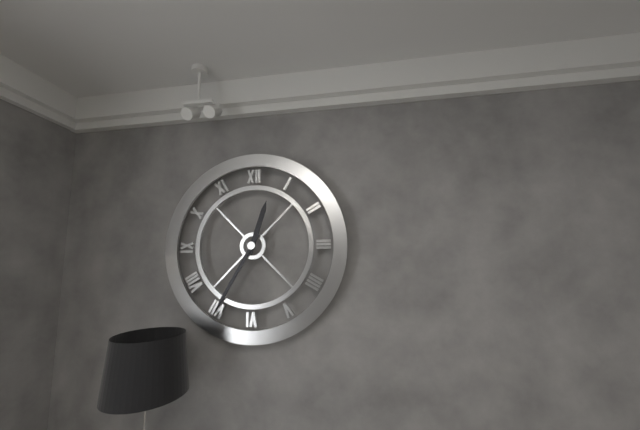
12:35
